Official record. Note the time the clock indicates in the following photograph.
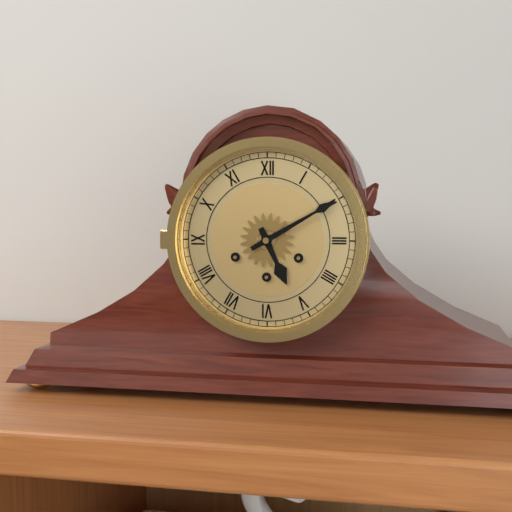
5:10
